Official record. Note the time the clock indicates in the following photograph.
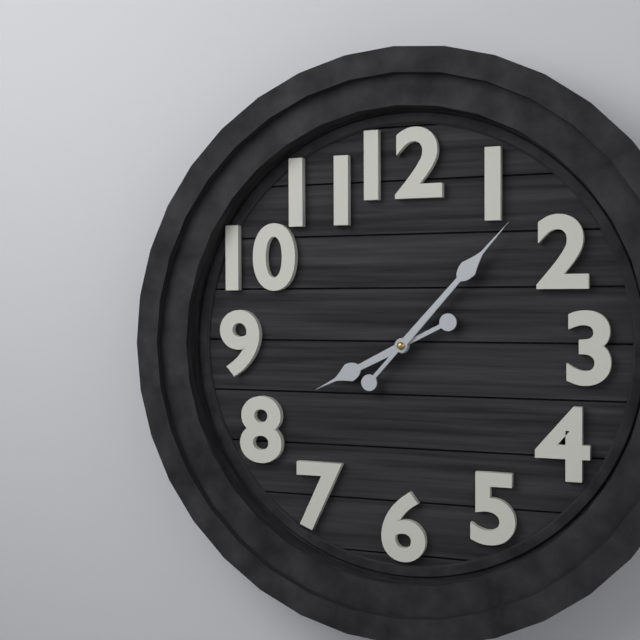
8:07
